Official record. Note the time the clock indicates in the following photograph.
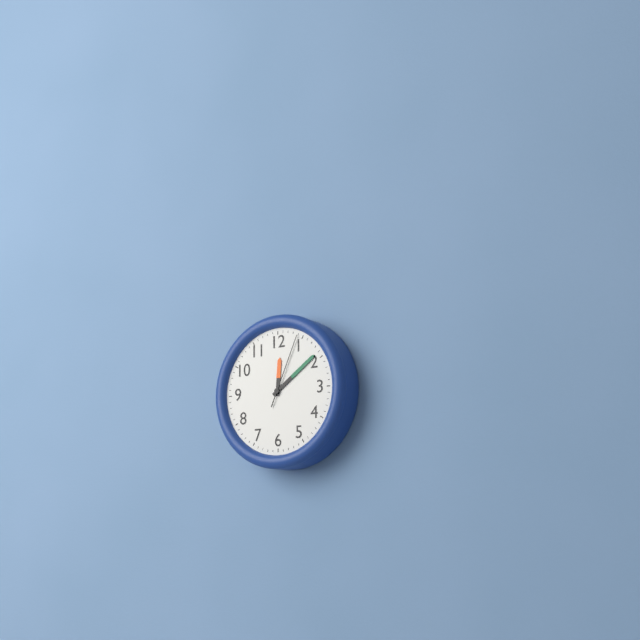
12:09:04
